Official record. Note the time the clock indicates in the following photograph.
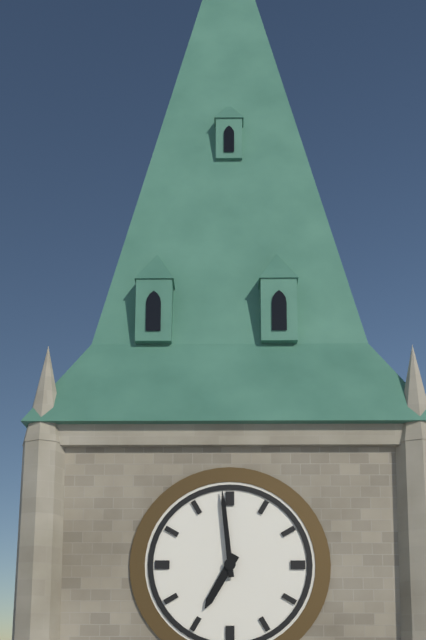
6:59
